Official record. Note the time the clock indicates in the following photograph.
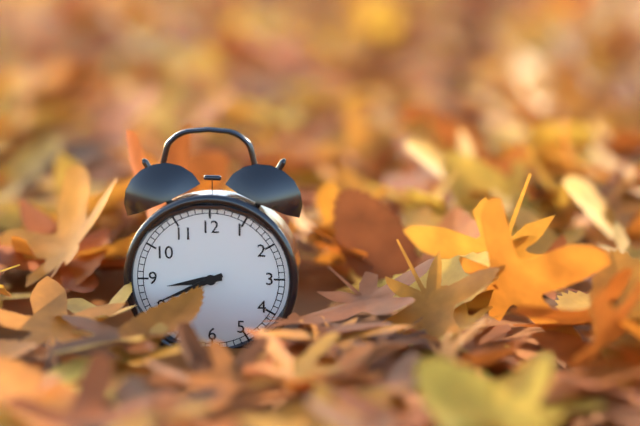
8:41
